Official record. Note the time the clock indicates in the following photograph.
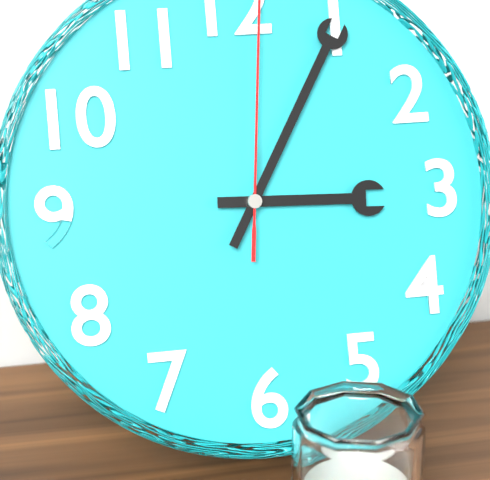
3:05
